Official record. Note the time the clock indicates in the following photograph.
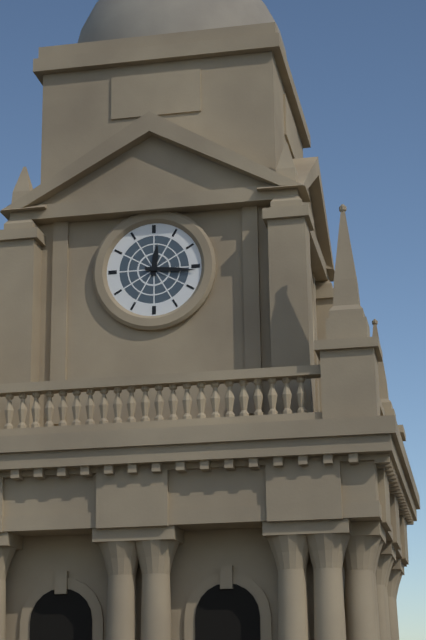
12:16
